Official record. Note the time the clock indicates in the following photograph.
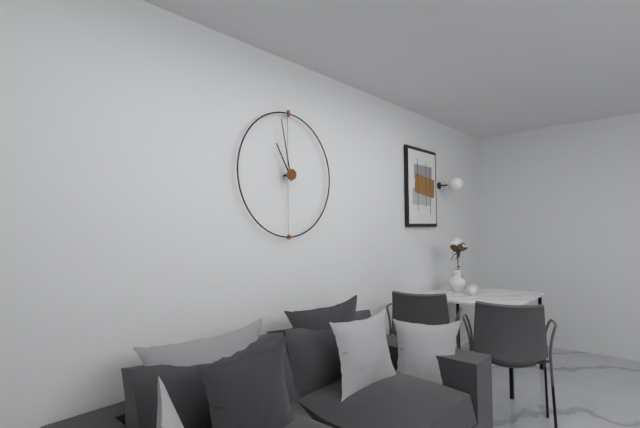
10:58
